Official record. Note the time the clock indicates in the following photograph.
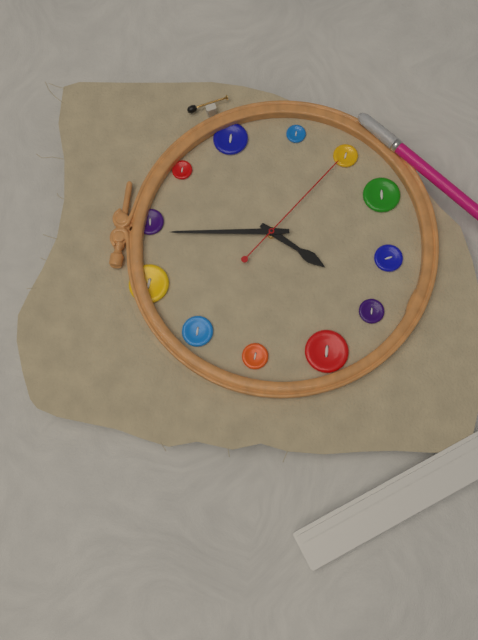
6:59:21
